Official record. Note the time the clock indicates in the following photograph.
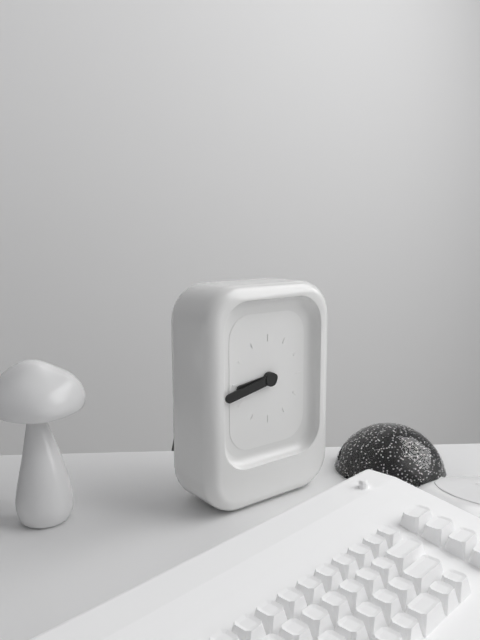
8:43
